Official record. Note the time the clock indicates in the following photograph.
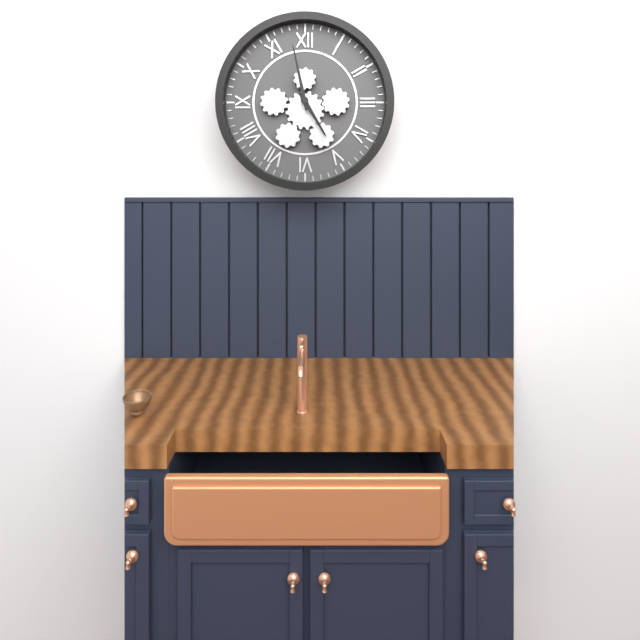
4:58
